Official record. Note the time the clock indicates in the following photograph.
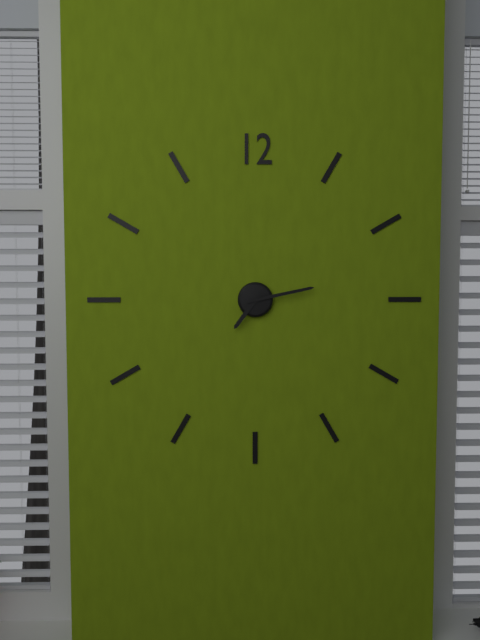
7:13
